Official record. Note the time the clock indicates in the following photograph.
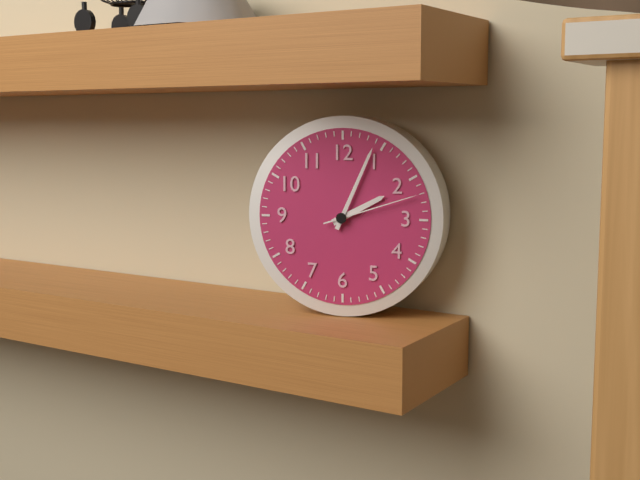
2:04:12
